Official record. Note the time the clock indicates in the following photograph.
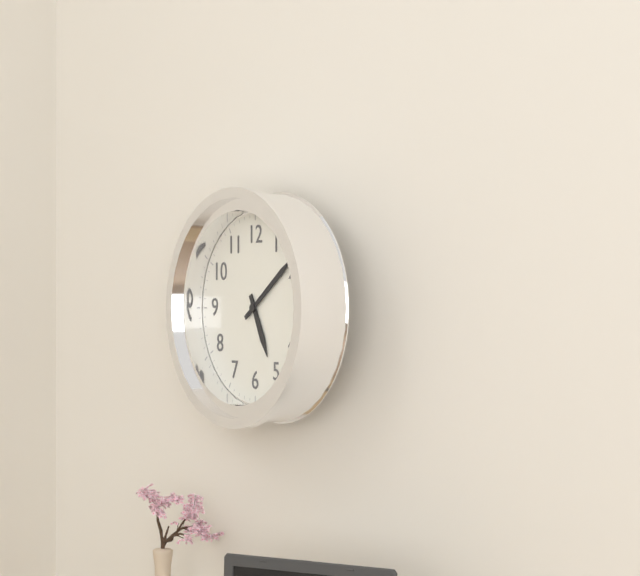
5:09
